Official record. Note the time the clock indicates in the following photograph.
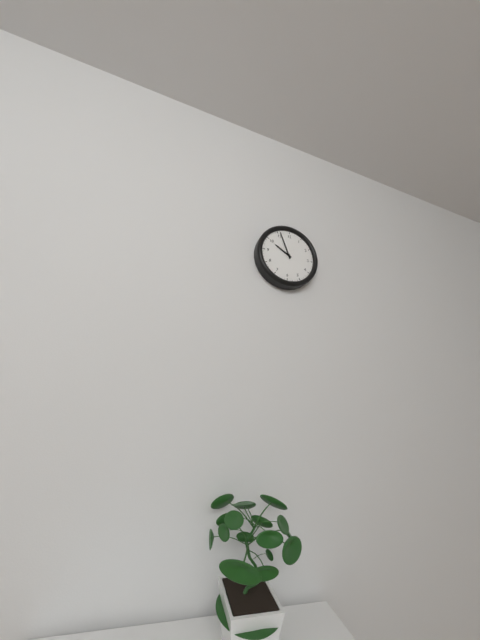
9:56
